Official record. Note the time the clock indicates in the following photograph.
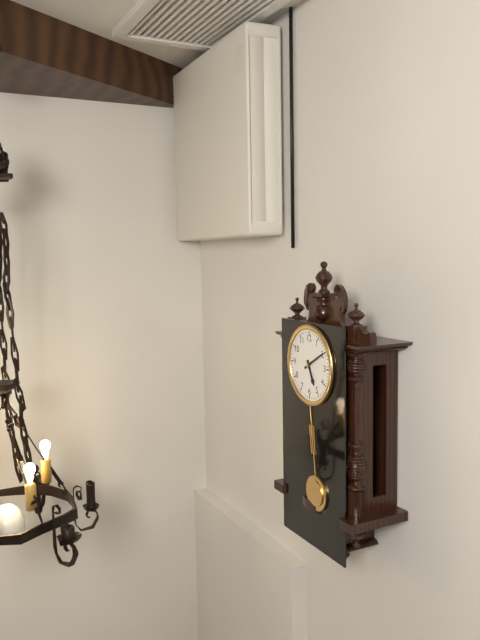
5:10
